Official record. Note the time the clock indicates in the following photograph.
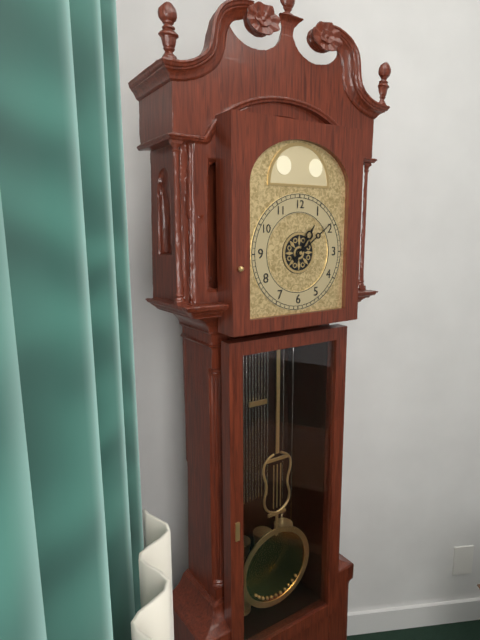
1:09
